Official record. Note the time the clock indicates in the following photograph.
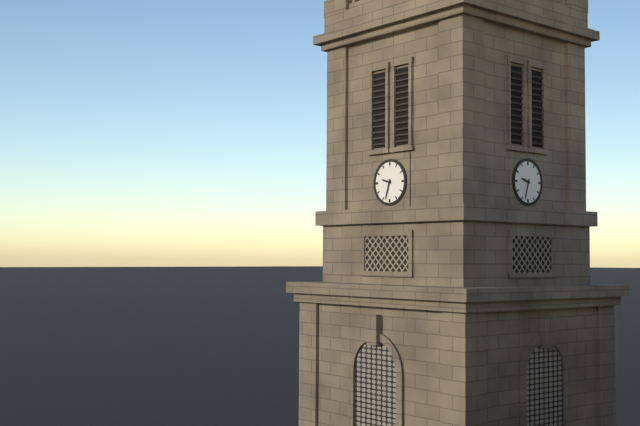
9:33
